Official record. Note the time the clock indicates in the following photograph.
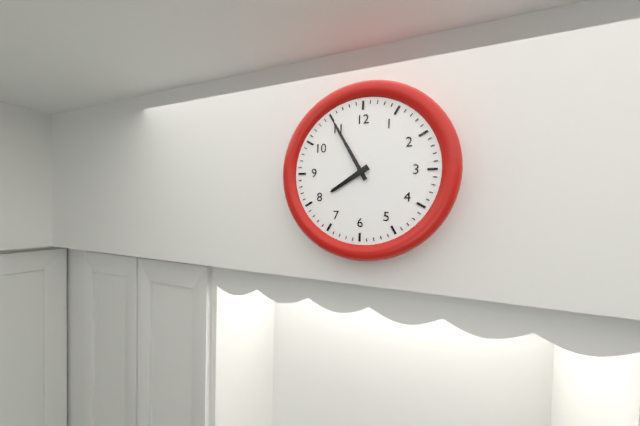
7:55
